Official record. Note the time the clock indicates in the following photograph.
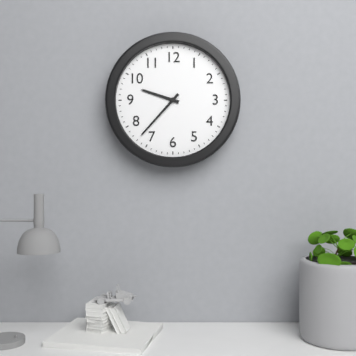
9:37
